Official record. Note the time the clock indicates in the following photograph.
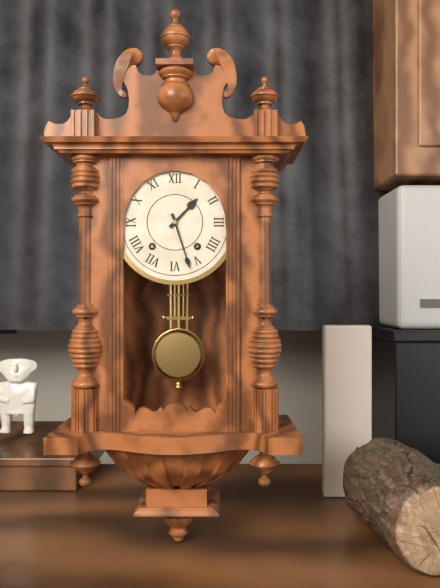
1:27
